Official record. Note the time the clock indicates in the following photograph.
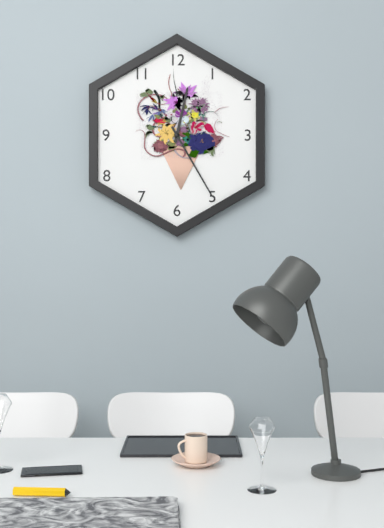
12:25
